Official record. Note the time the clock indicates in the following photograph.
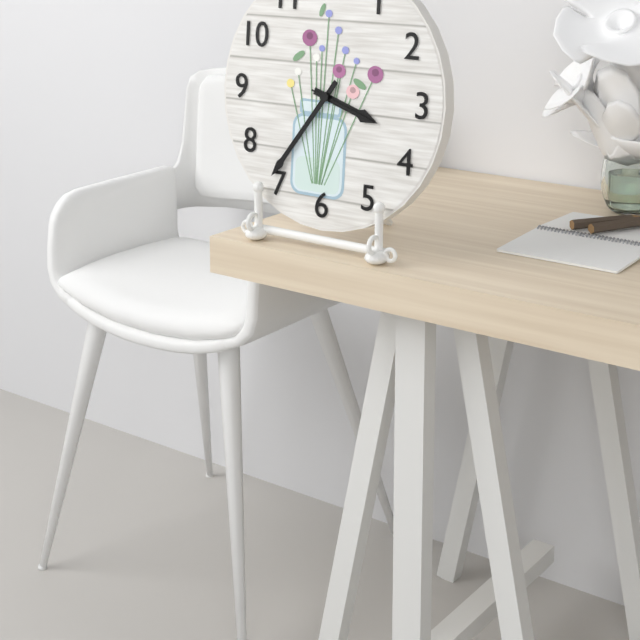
3:36:18
